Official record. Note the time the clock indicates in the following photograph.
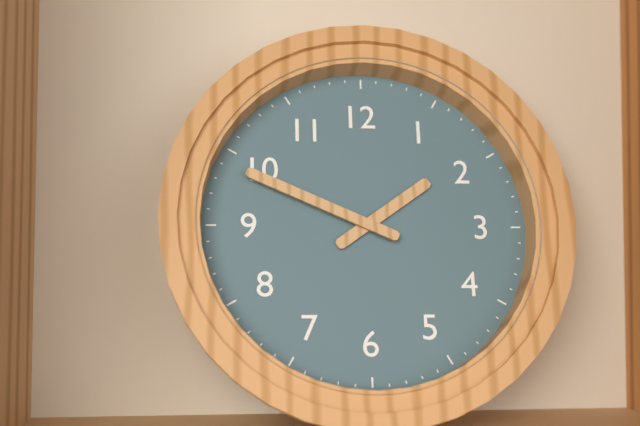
1:49
